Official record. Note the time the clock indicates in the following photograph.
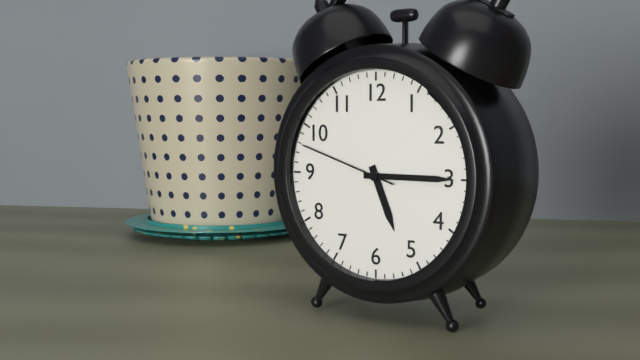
5:15:48
